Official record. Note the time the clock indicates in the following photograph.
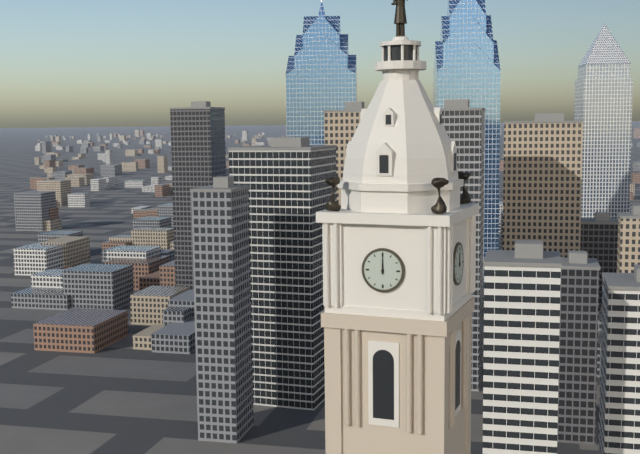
12:00
